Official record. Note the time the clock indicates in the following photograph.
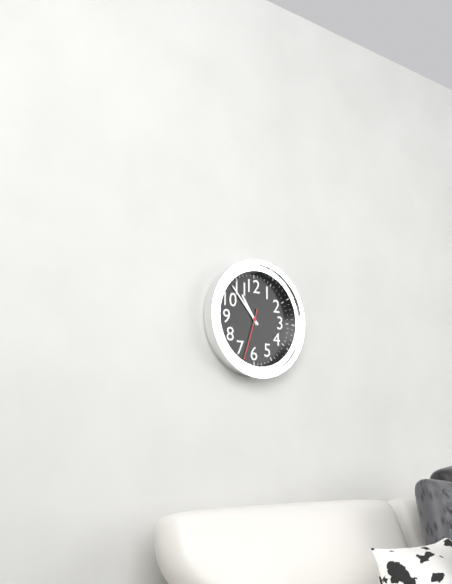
10:53:33
